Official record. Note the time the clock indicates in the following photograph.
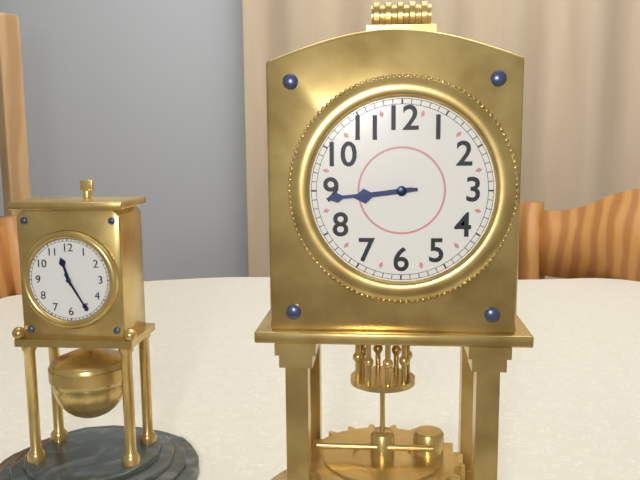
8:44
